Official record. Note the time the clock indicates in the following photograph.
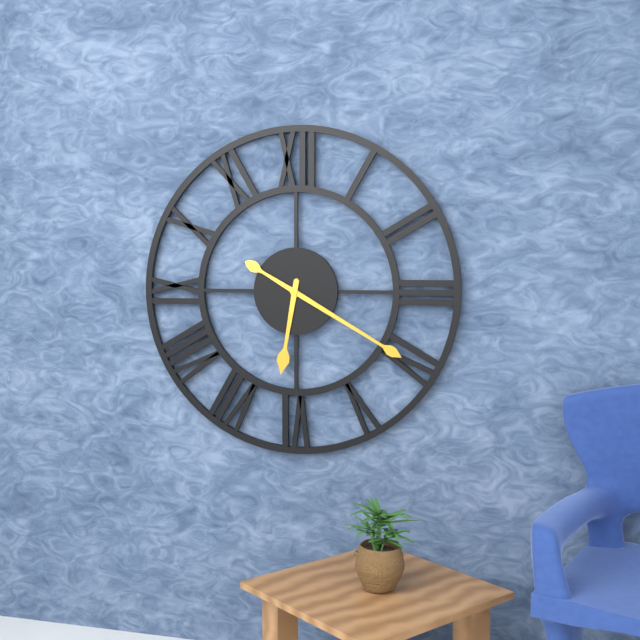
6:20
